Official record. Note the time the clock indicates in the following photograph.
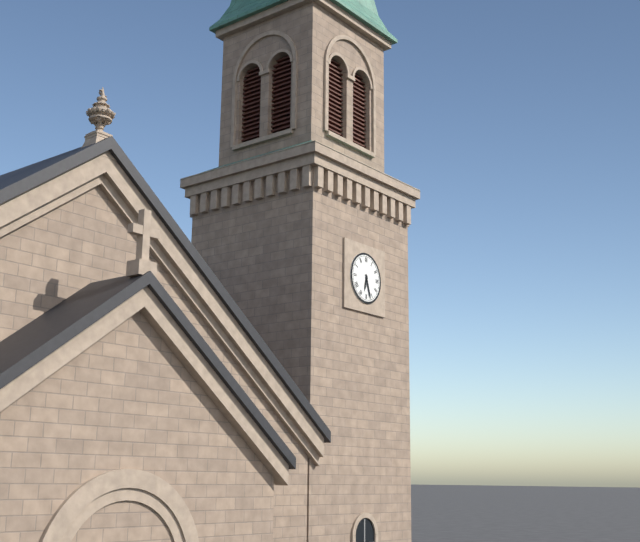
6:27
